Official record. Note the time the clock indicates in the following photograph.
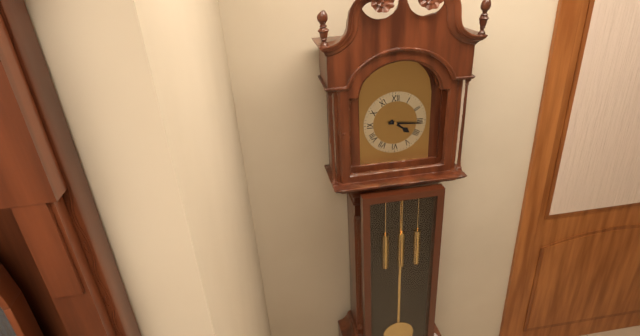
4:16
